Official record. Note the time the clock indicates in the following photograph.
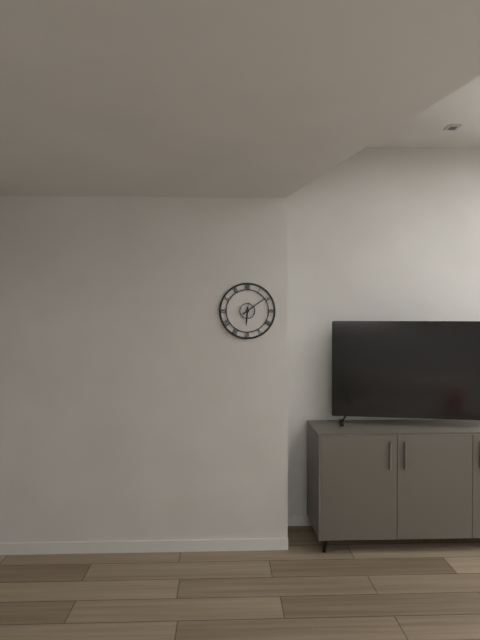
6:09
